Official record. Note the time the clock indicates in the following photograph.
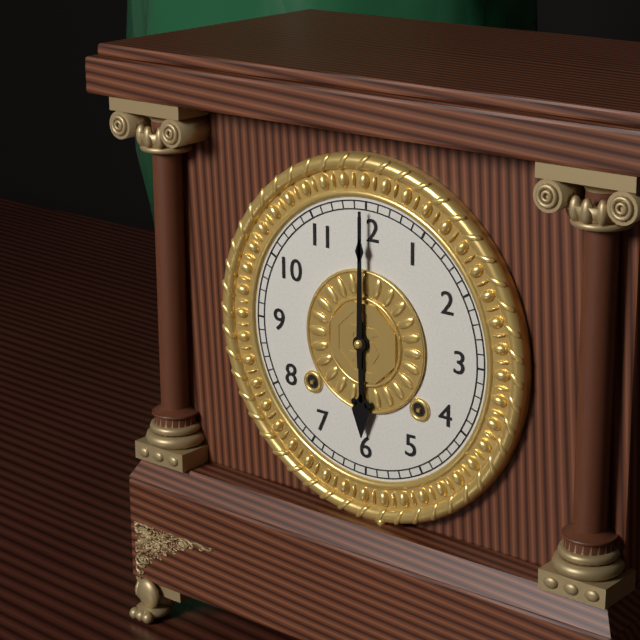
6:00
